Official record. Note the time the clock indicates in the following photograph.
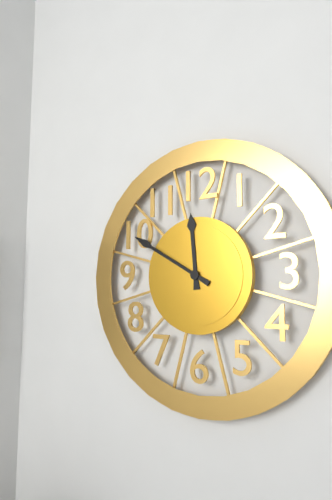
11:50
